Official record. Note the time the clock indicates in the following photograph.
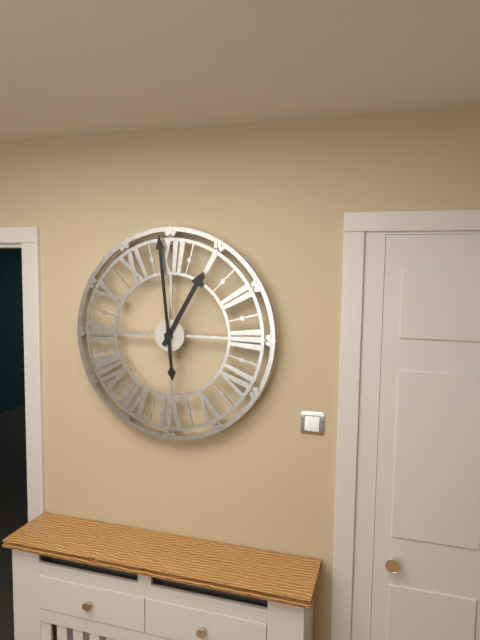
12:59
